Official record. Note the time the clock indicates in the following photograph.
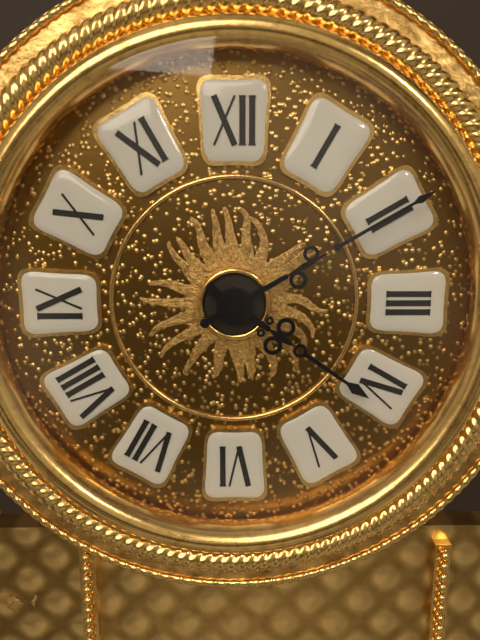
4:10
